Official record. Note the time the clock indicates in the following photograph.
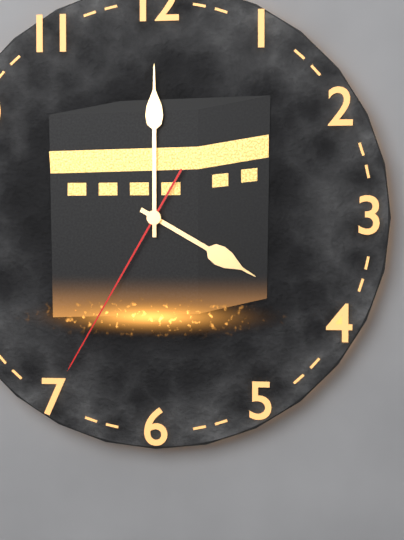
4:00:35
